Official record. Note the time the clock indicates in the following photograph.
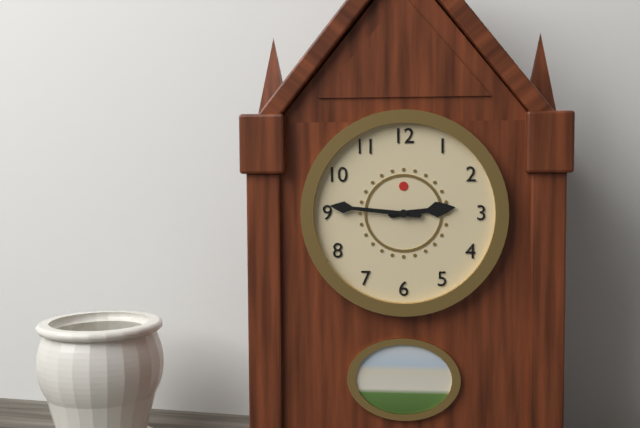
2:46
